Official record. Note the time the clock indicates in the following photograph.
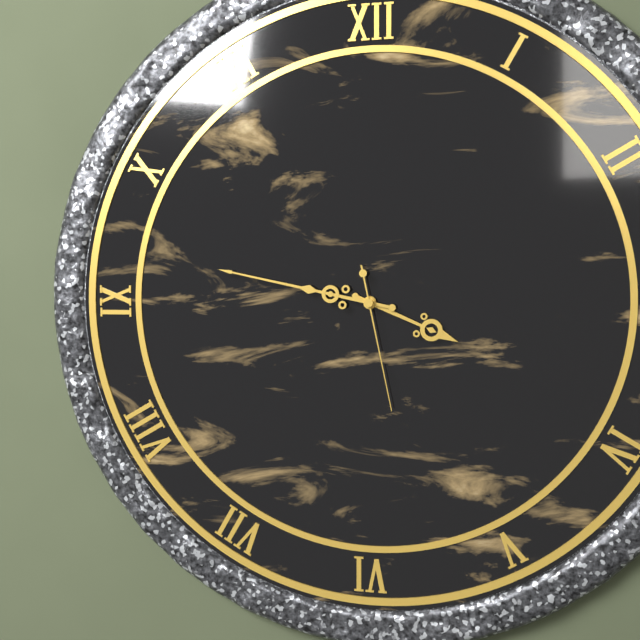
3:47:28
